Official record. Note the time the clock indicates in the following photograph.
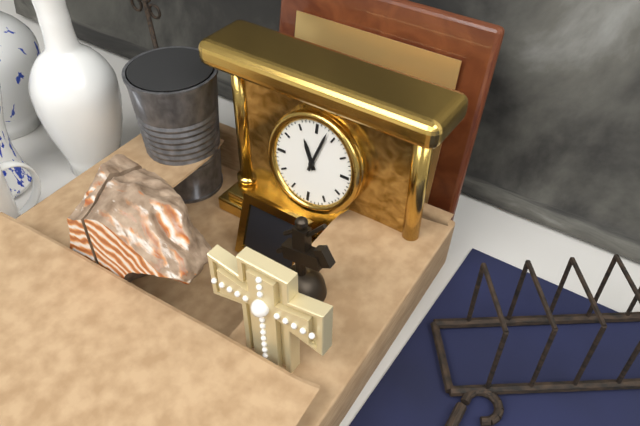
11:03
